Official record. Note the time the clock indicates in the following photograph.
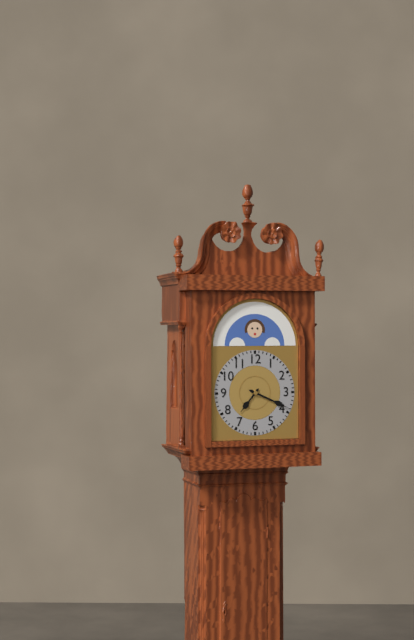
7:19
